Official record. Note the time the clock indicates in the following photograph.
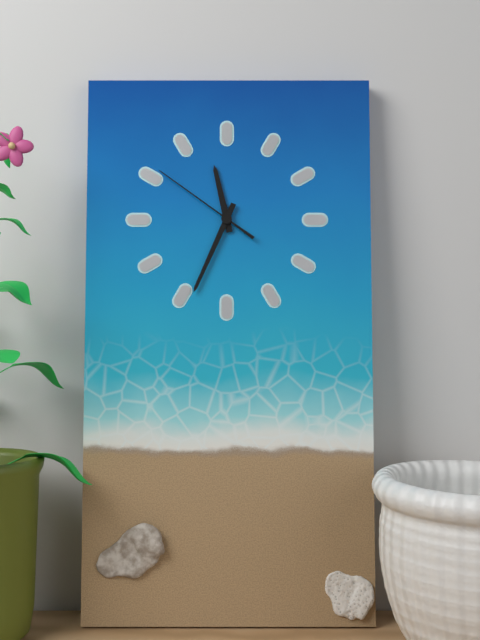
11:34:51
